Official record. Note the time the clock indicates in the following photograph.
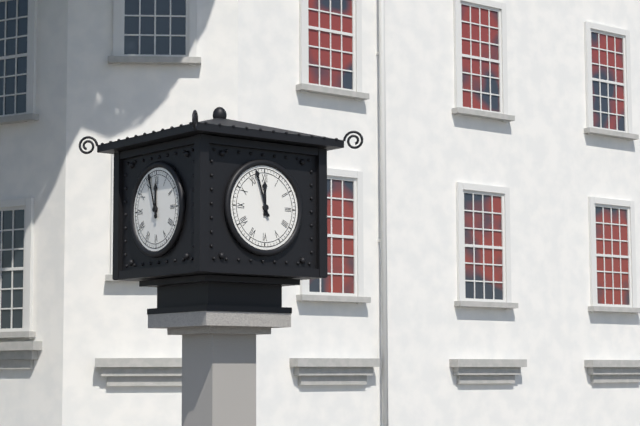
11:57
